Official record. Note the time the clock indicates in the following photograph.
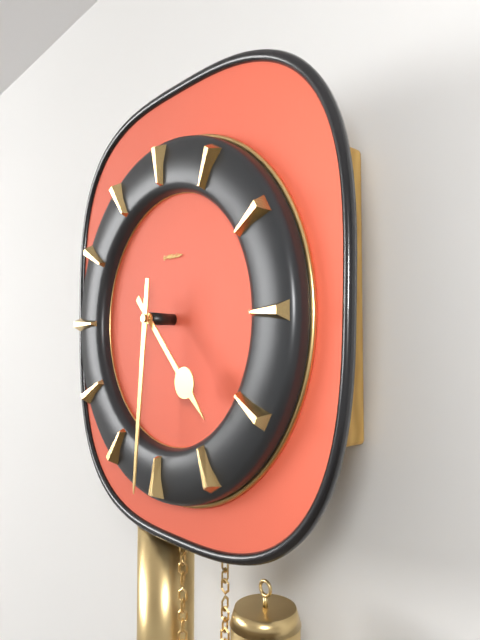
4:31
